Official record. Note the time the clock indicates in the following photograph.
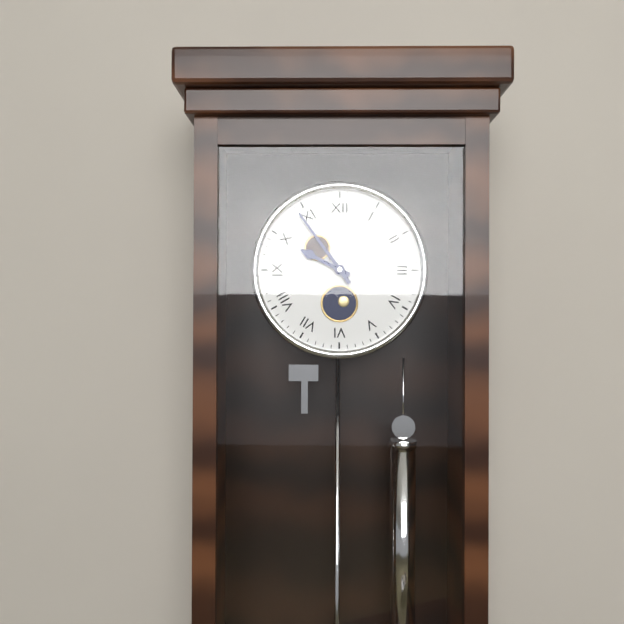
9:54
